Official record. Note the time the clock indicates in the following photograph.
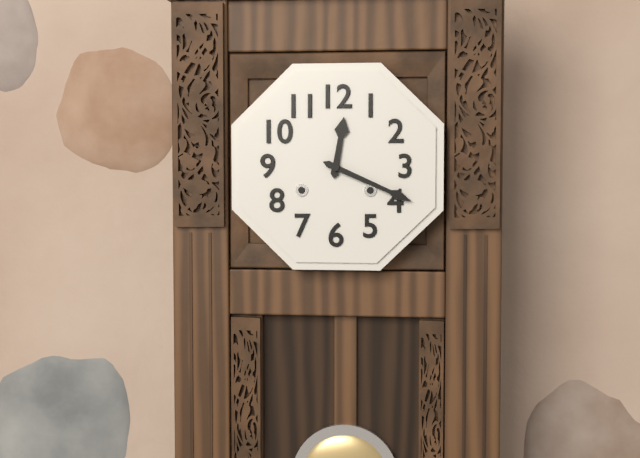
12:19
